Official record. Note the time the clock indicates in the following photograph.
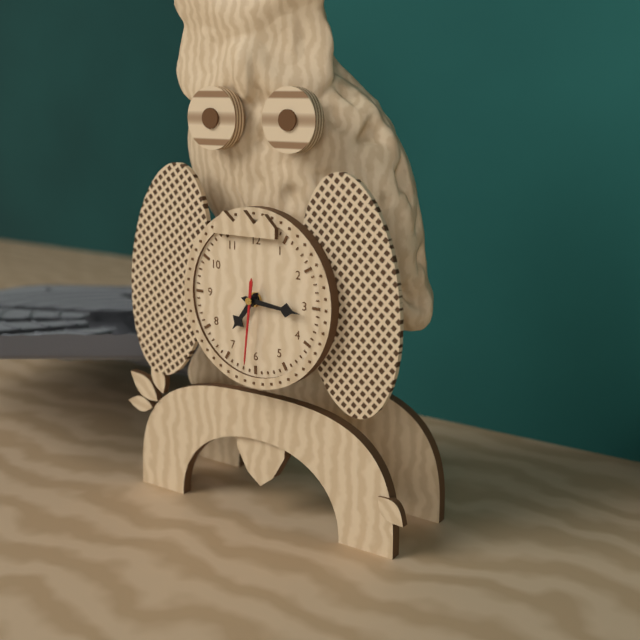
7:16:31
